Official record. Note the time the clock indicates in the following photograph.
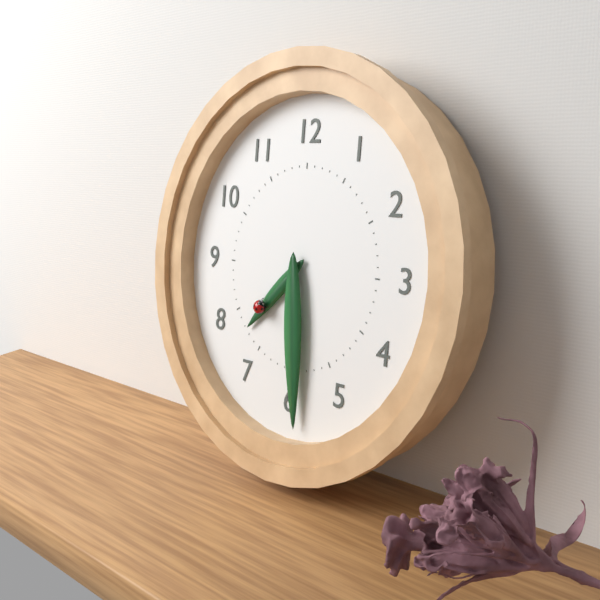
7:29
